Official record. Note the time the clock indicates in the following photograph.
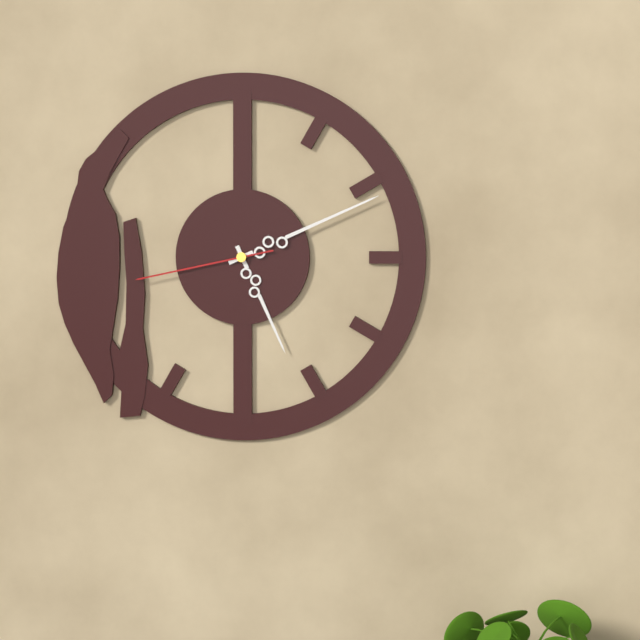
5:11:43
